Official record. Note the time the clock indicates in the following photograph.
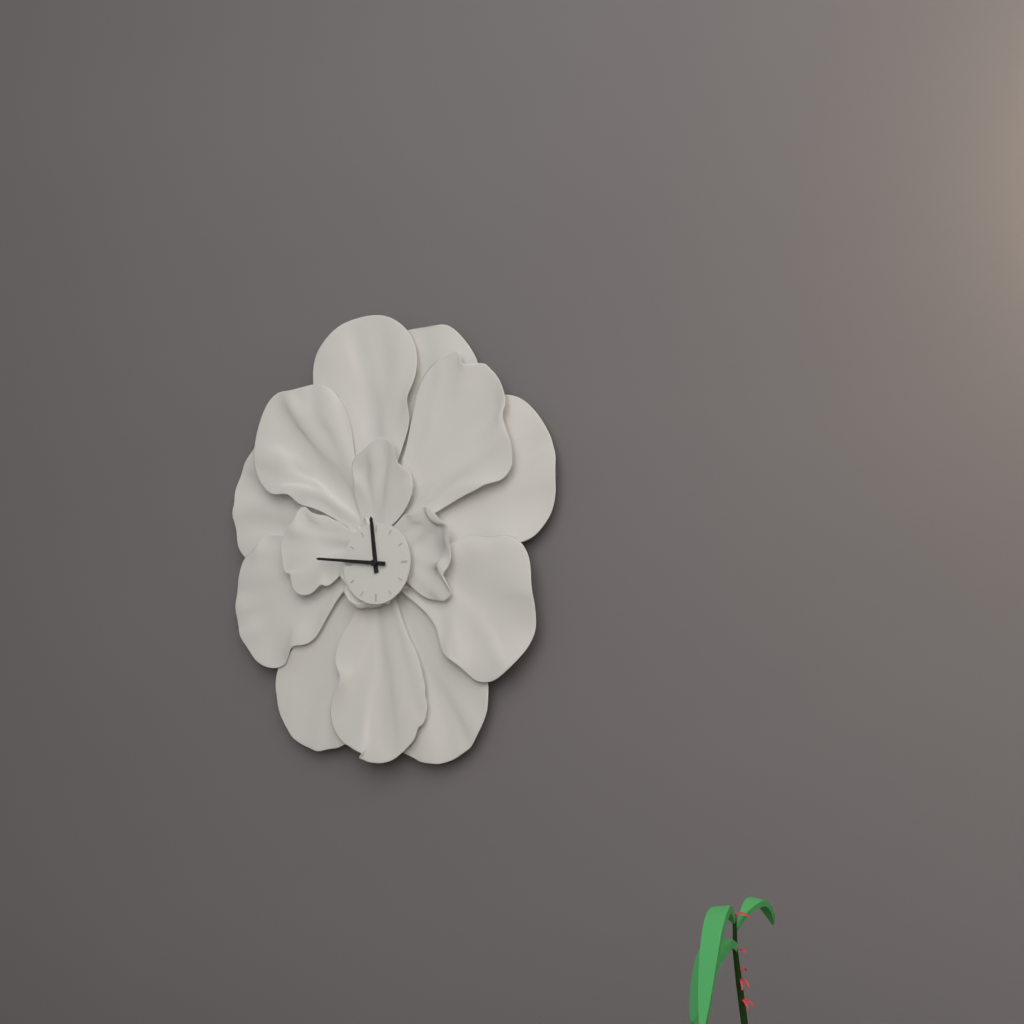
11:46
